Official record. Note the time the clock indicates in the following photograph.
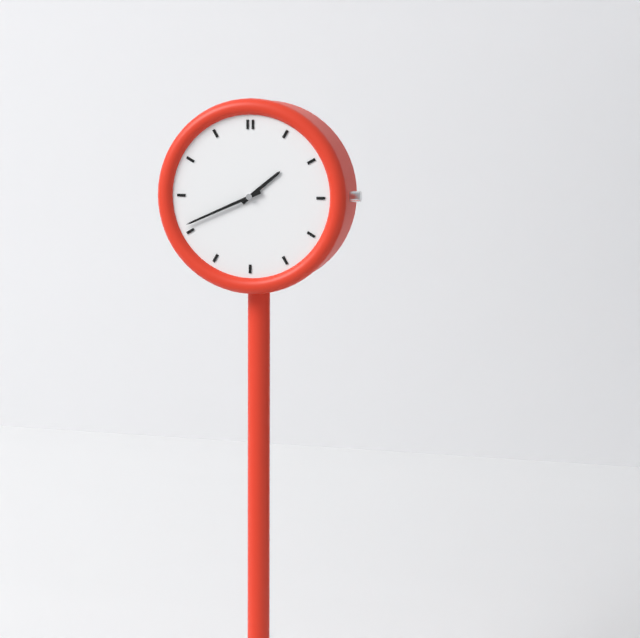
1:41
